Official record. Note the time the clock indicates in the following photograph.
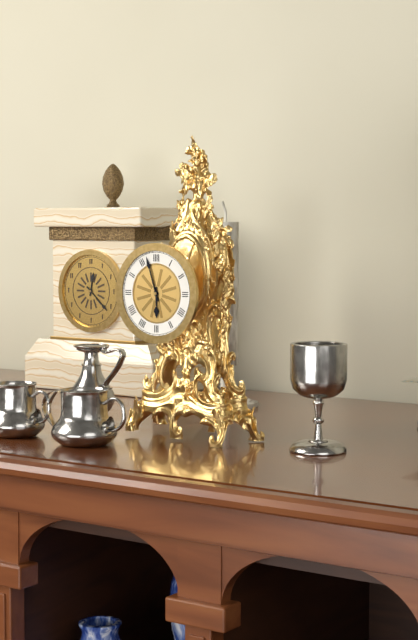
5:57
